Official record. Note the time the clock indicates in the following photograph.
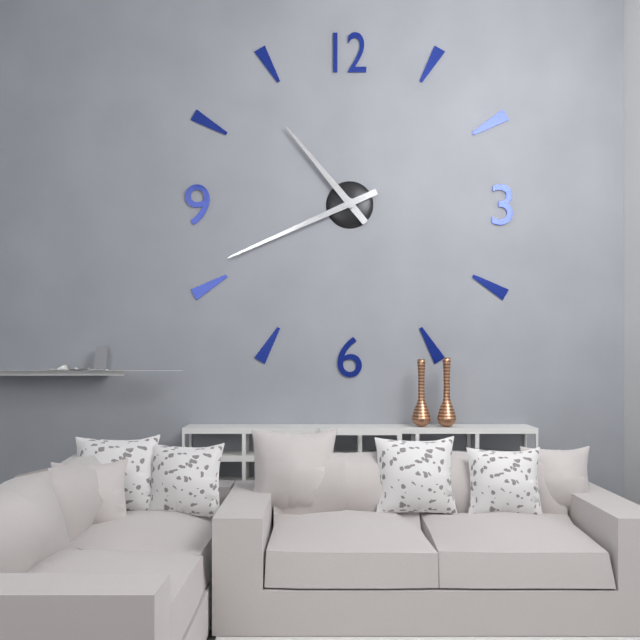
10:41
